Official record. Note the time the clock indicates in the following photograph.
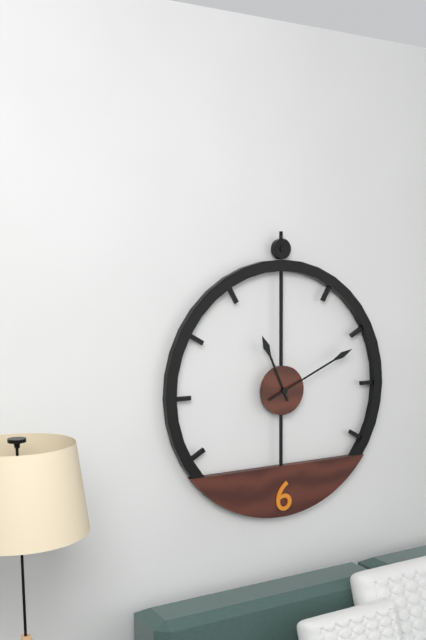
11:11
